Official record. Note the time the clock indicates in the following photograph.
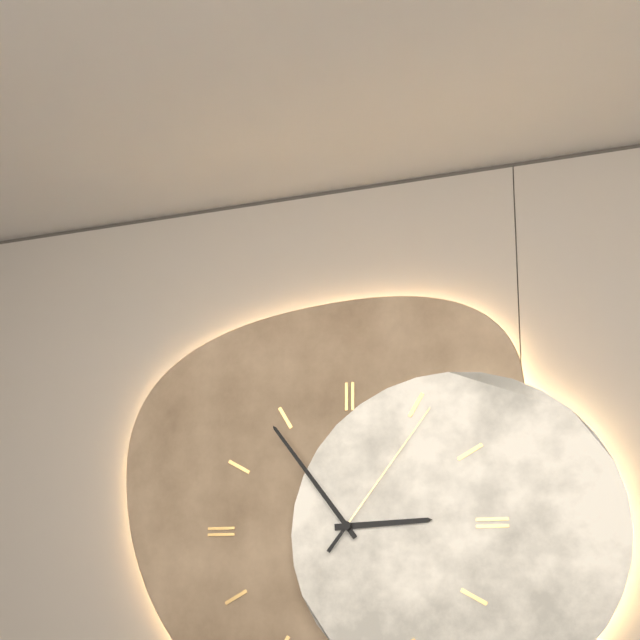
2:54:06
